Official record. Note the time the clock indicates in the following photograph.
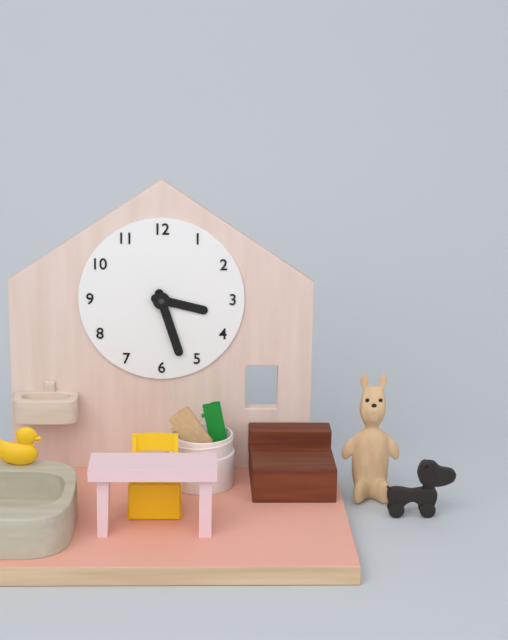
3:27
